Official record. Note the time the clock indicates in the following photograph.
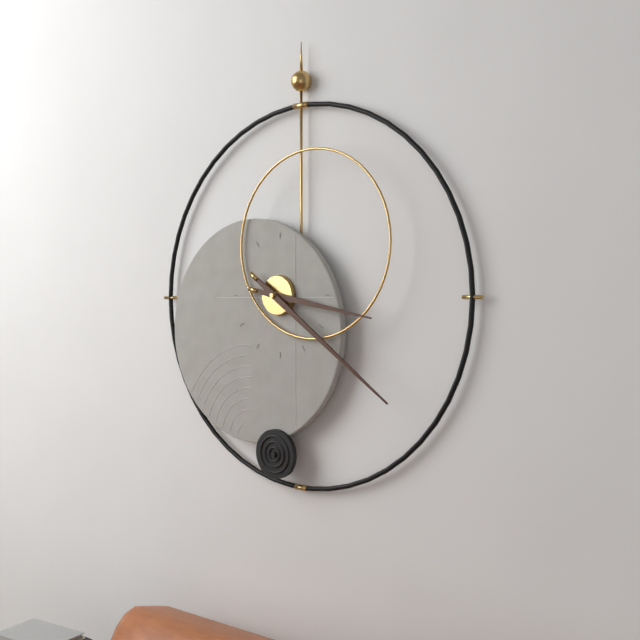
3:21
